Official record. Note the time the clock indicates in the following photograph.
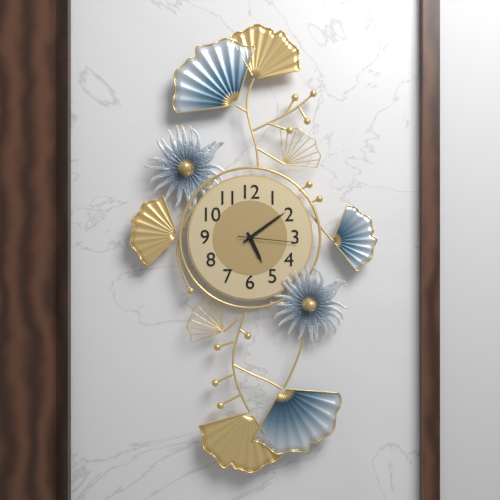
5:09:16
